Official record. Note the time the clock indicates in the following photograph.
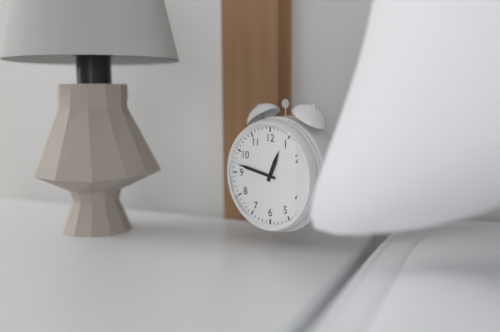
12:47
